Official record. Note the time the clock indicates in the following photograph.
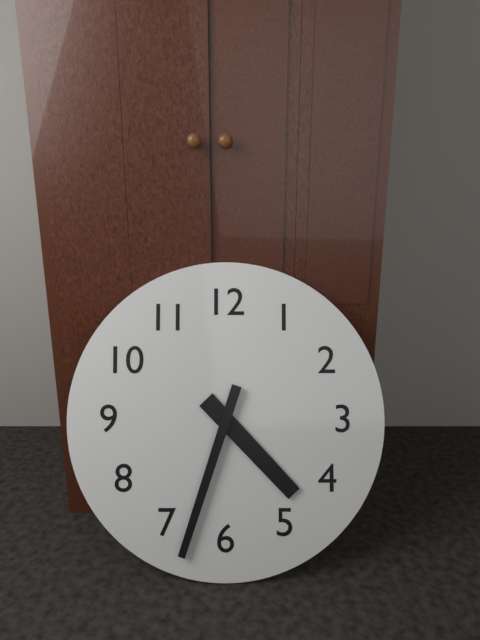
4:33
